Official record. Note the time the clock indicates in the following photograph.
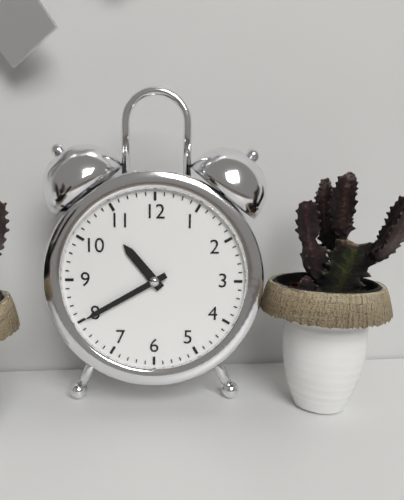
10:40
